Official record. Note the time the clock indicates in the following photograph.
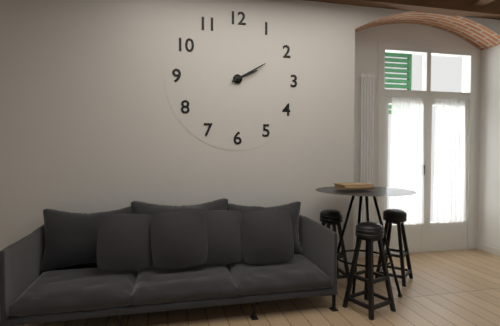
2:10
